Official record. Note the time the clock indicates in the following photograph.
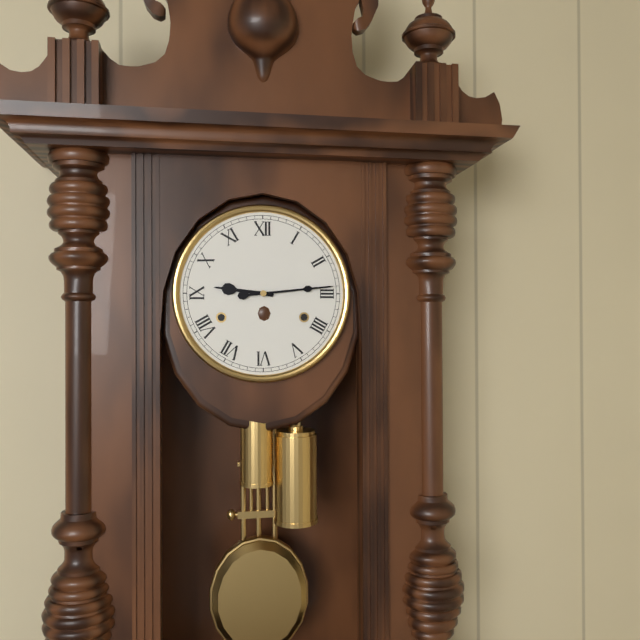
9:14
